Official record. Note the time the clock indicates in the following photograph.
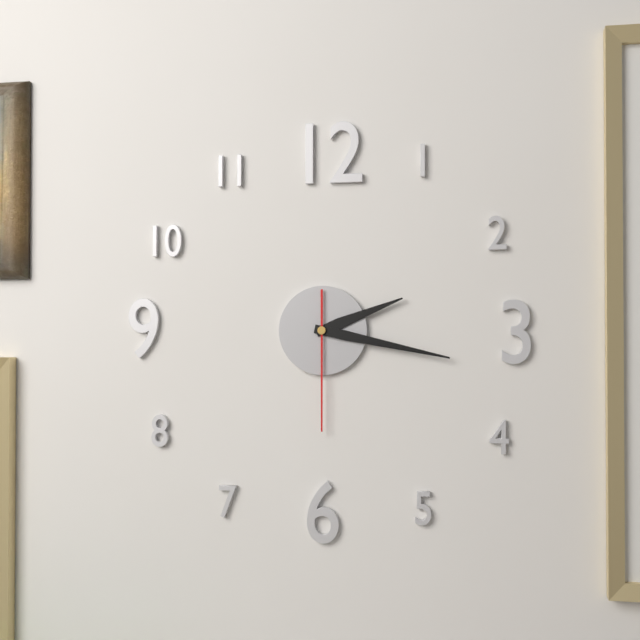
2:17:30
